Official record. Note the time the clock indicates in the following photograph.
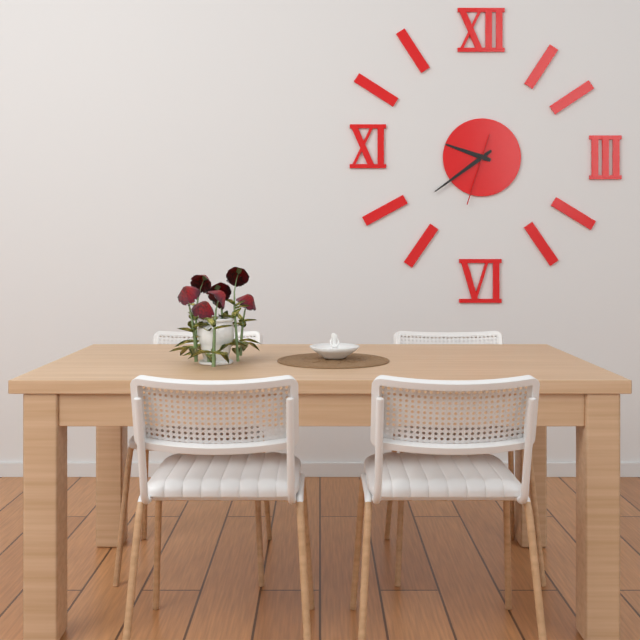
9:39:33
